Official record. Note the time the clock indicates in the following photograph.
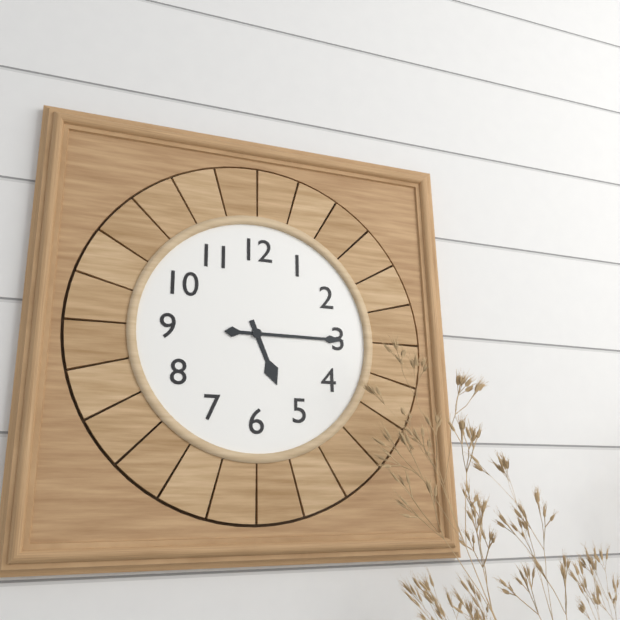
5:15
